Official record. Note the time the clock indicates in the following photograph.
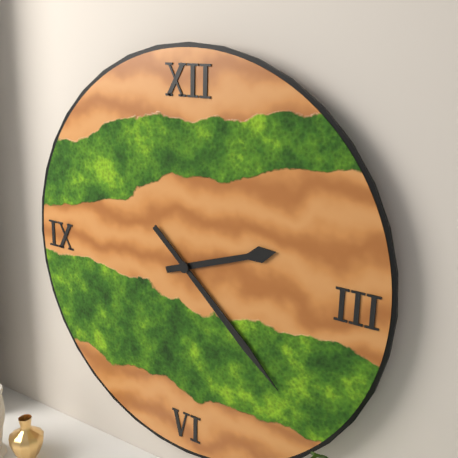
2:22
